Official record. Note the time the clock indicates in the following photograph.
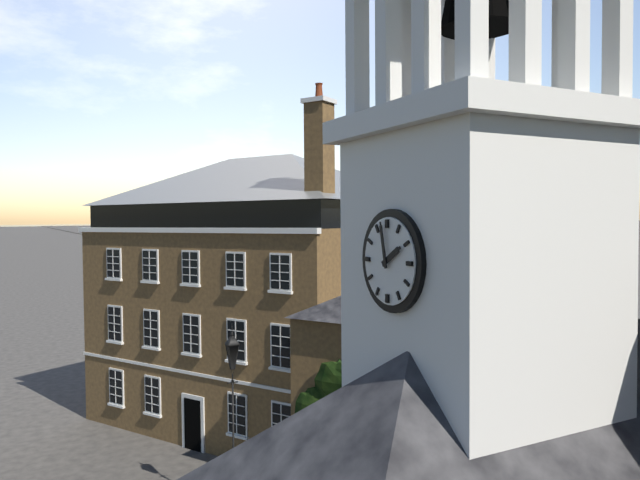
1:58
